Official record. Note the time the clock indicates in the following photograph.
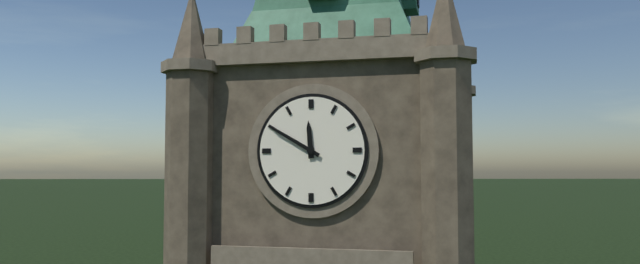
11:50
